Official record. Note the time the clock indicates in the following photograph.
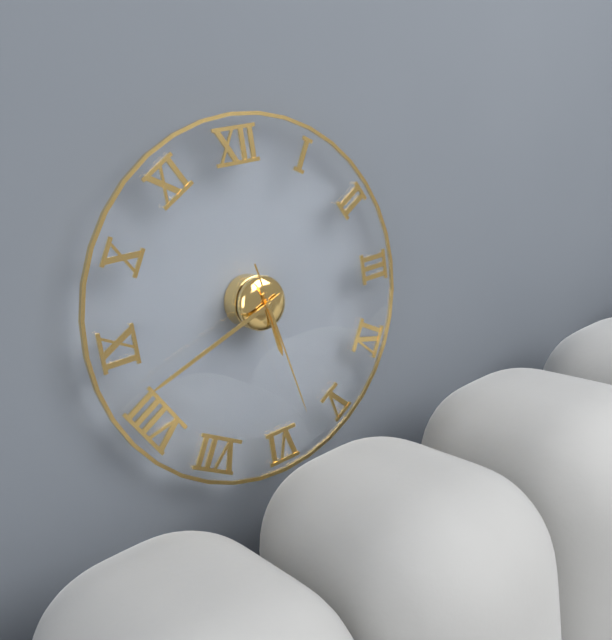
5:42:28
